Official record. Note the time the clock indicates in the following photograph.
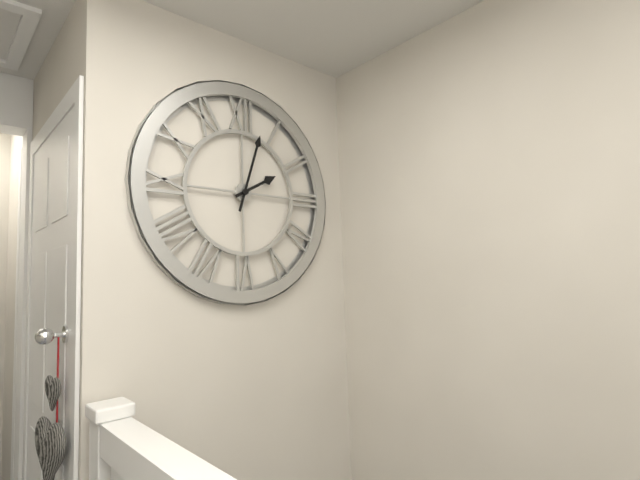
2:03
